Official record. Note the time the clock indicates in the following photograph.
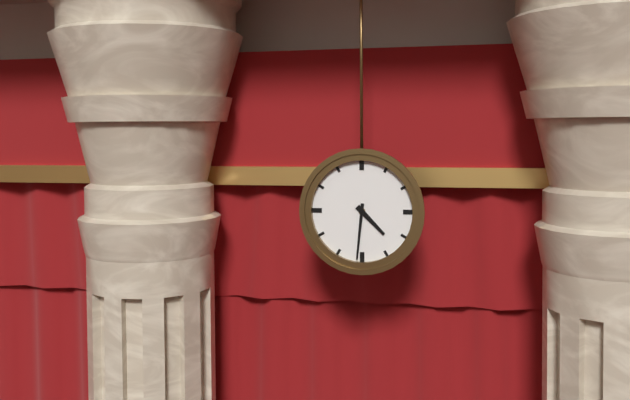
4:31
